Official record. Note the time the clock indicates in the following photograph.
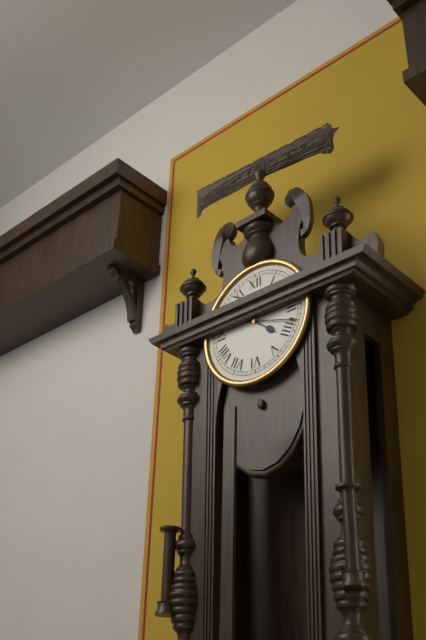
4:18
